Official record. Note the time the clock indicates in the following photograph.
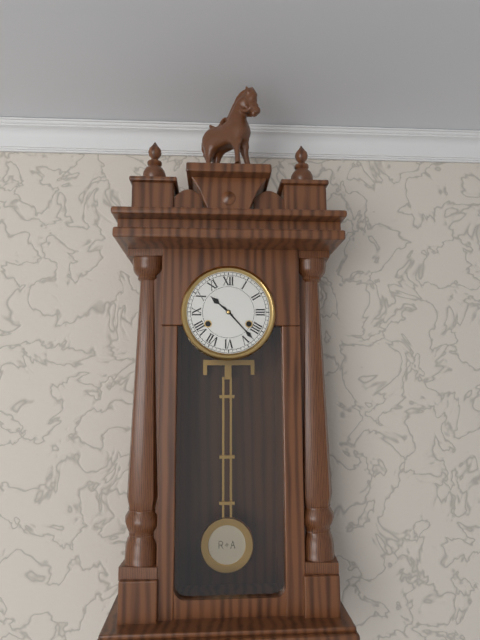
10:23
